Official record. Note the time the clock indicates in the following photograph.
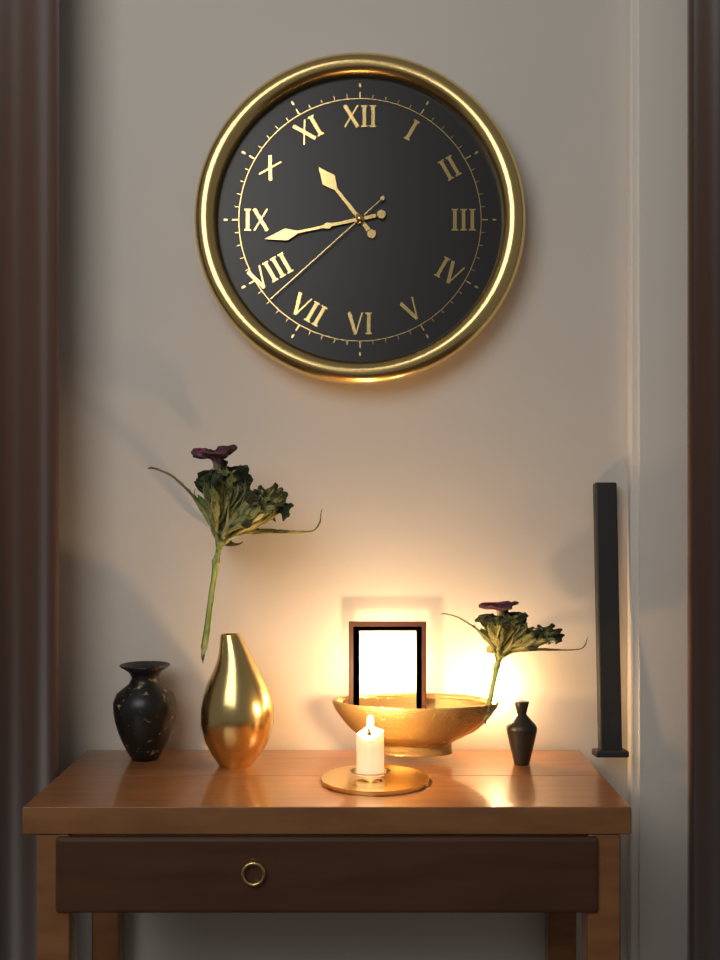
10:43:38
